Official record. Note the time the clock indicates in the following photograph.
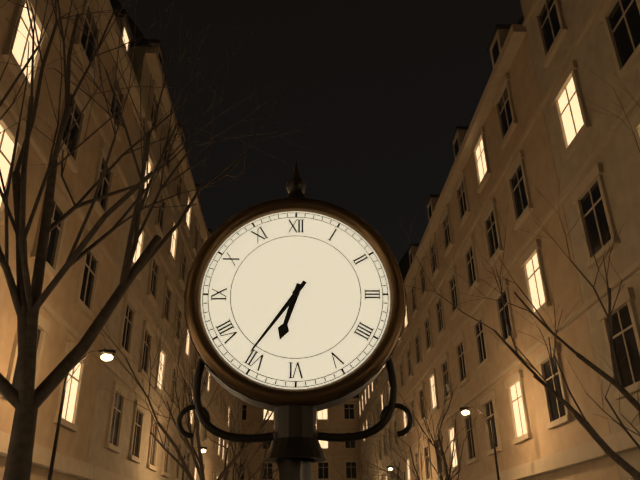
6:36
